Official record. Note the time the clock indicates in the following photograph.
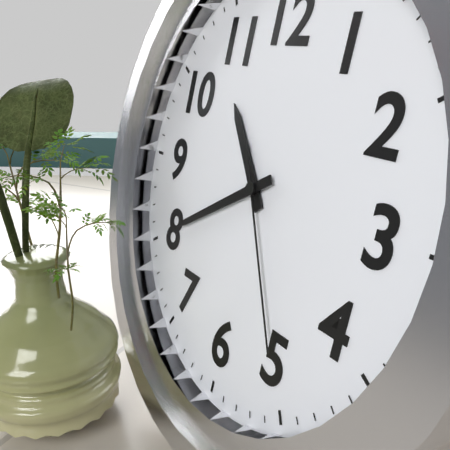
10:40:25
